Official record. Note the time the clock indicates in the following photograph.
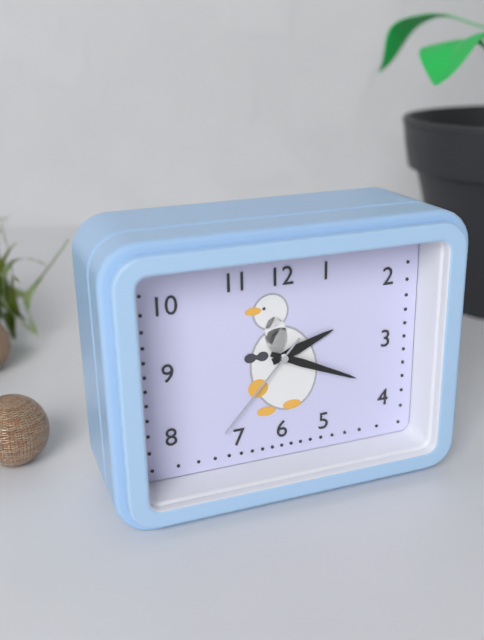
2:19:37
